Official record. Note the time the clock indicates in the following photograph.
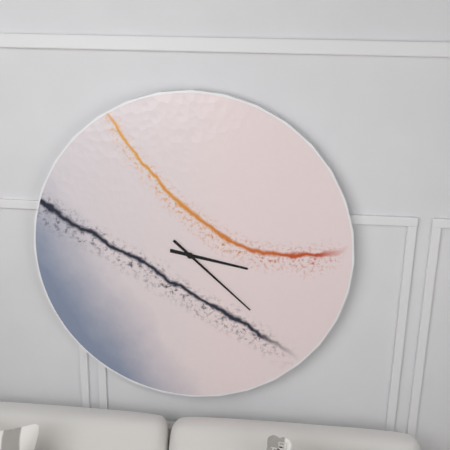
3:22
